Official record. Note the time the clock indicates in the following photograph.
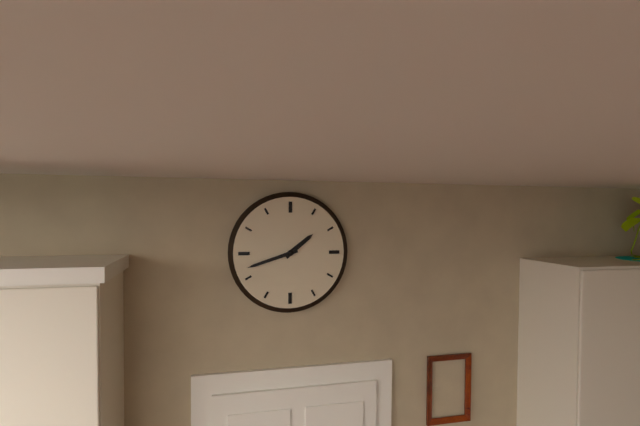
1:42
